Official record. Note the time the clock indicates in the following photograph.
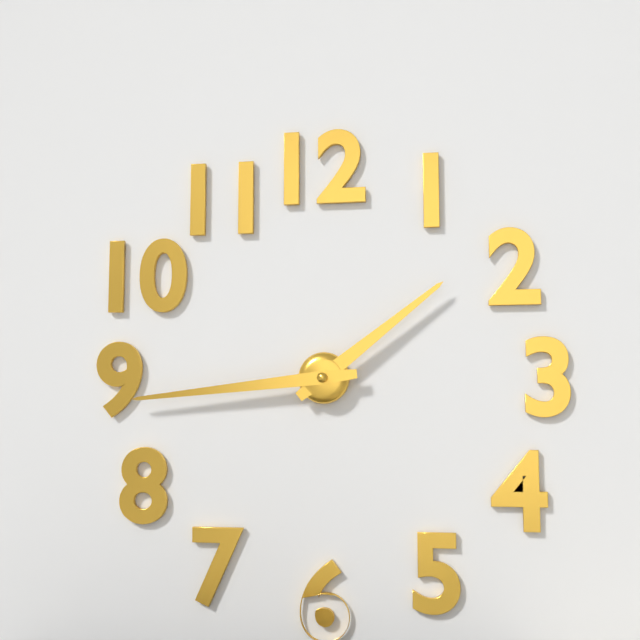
1:44
